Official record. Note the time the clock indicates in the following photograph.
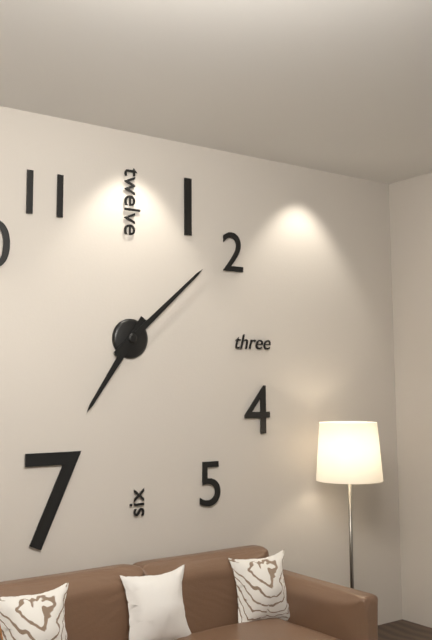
7:08
